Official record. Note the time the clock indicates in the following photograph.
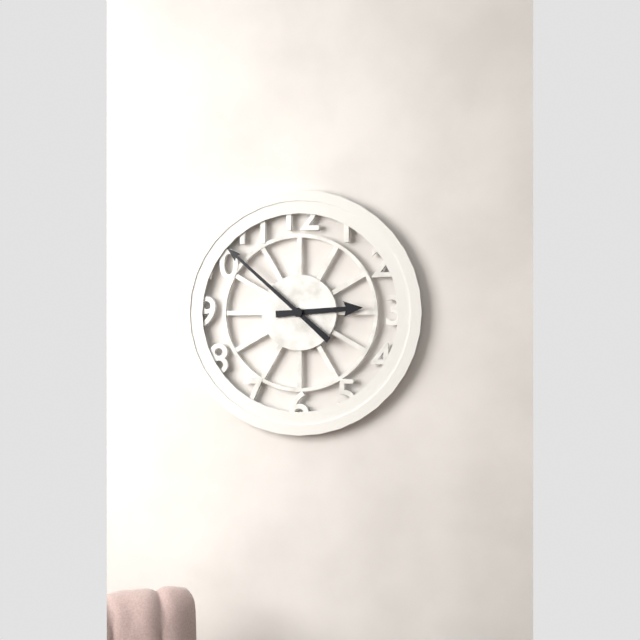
2:52
